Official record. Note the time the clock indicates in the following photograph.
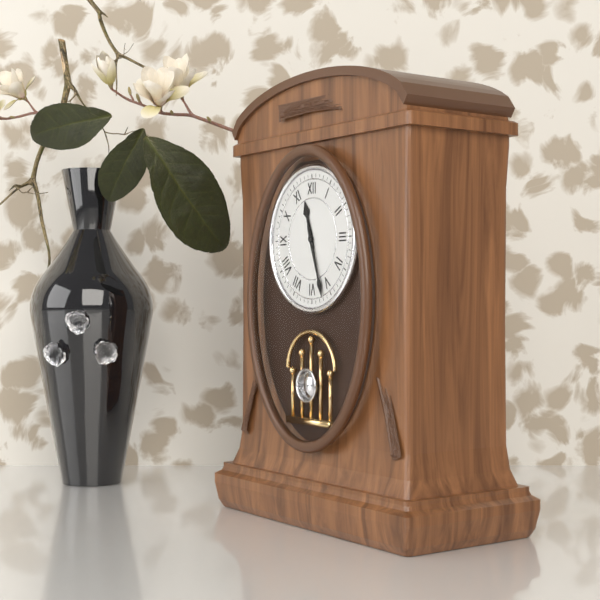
11:27
